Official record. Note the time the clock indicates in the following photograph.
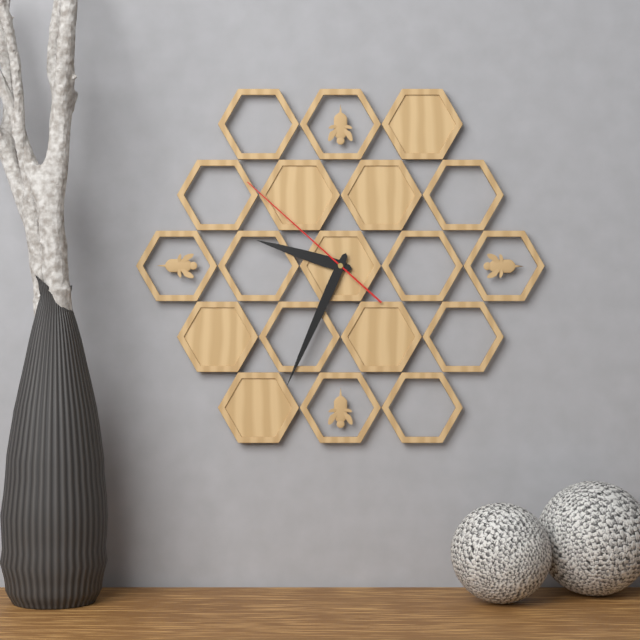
9:34:52
